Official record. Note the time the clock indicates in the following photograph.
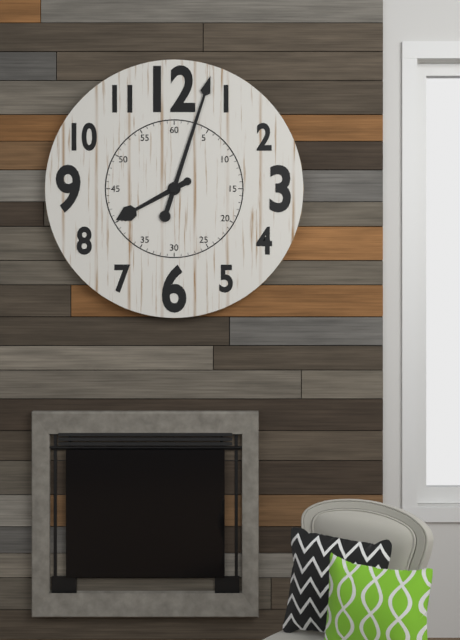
8:03
